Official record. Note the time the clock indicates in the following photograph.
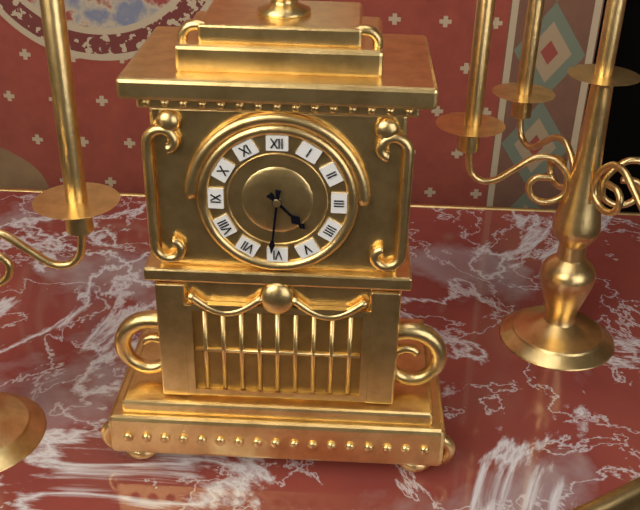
4:31
